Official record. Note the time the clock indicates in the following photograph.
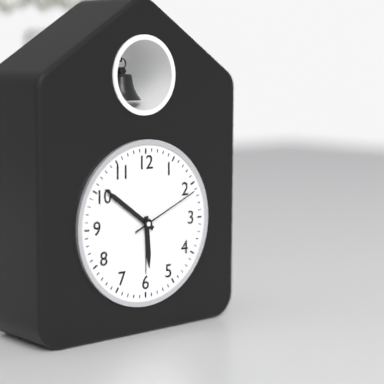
5:51:11
